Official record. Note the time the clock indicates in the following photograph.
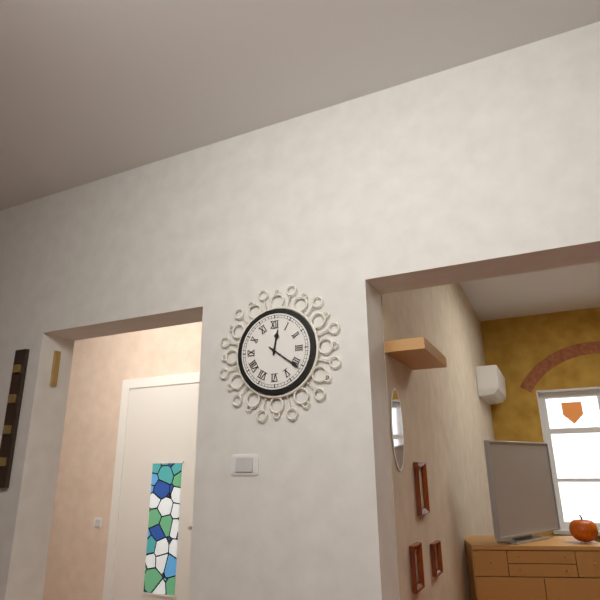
12:21
